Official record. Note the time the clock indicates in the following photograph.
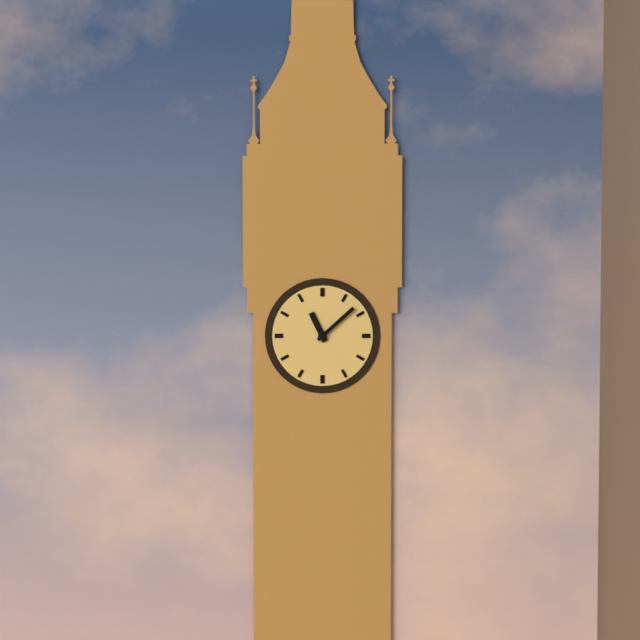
11:08
